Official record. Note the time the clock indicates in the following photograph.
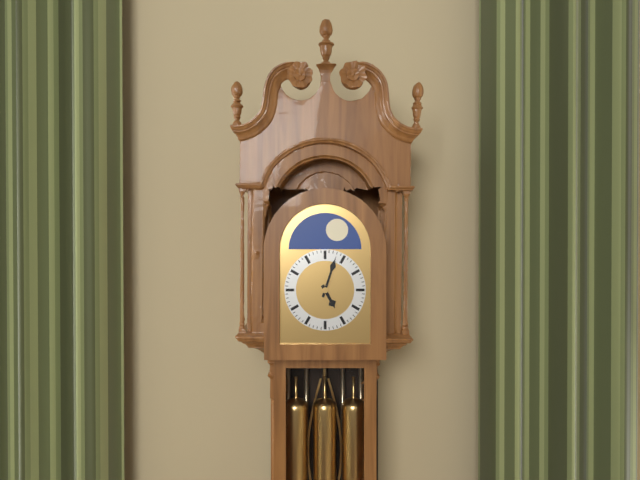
5:03
